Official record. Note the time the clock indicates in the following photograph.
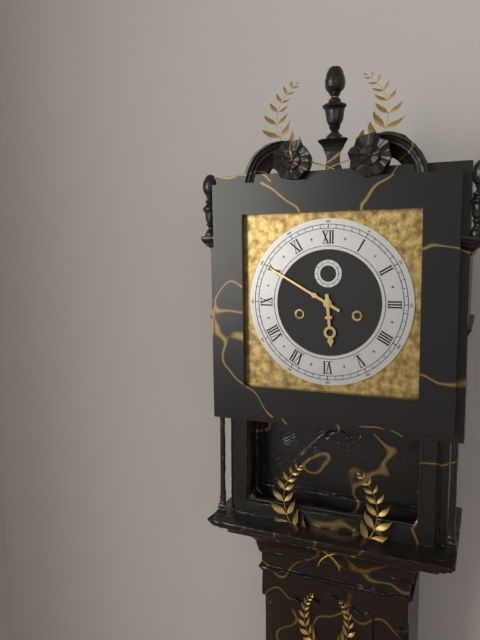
5:50
